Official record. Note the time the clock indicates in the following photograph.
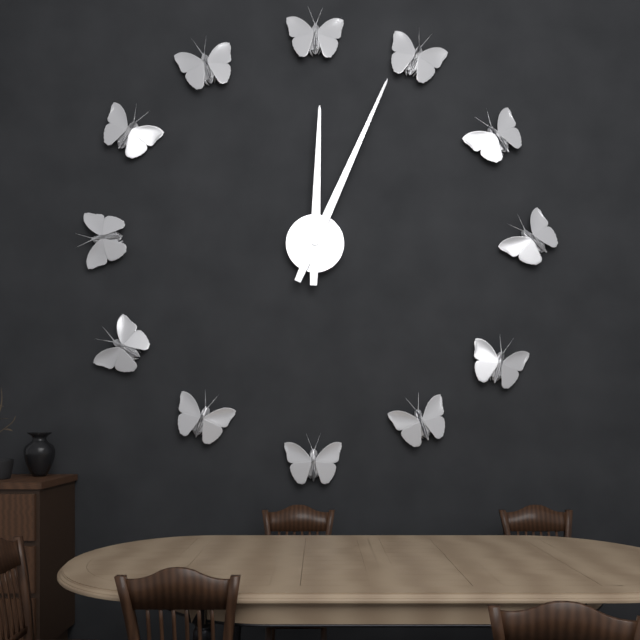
12:04
